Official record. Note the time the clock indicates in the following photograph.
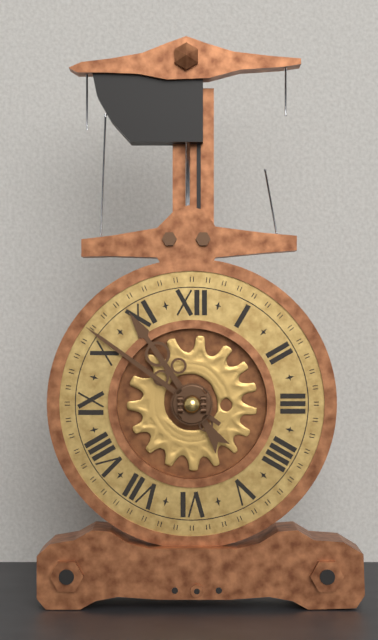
10:51
